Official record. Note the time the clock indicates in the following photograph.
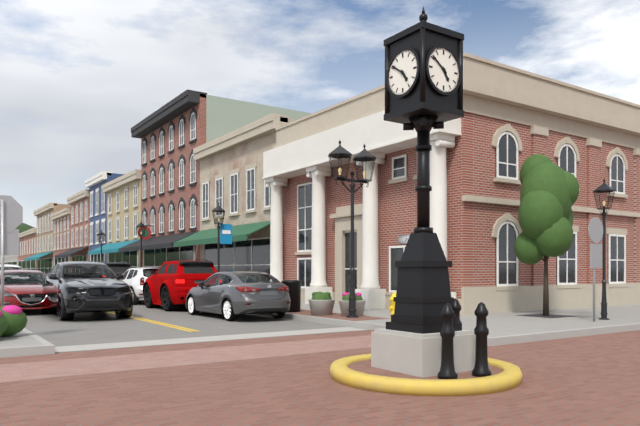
4:51
